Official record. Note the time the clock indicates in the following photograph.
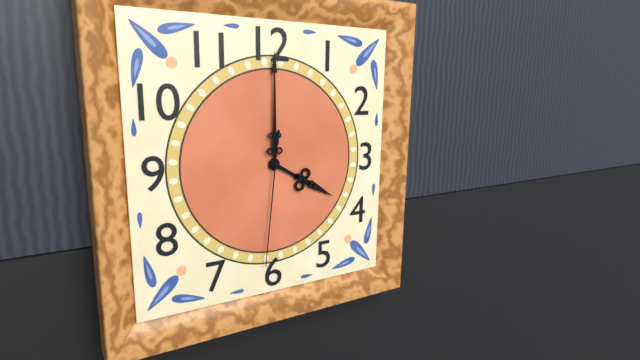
4:00:31
